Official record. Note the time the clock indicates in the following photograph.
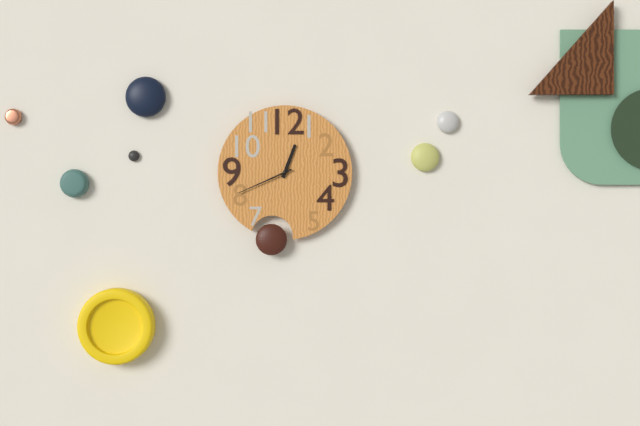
12:41
